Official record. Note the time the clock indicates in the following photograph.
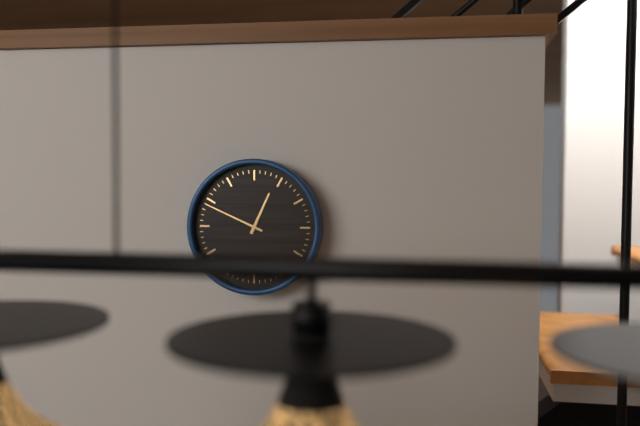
12:49
